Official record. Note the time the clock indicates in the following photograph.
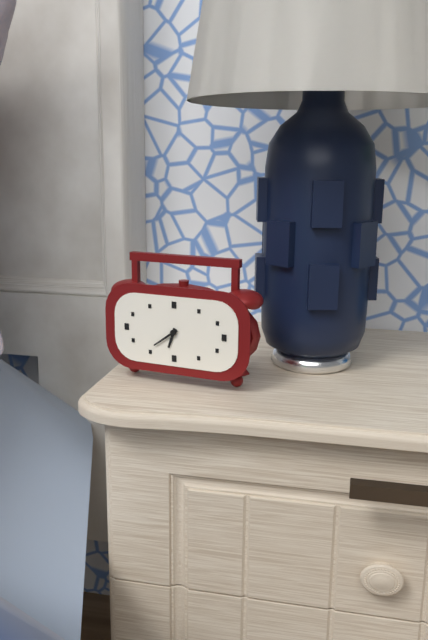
6:39
